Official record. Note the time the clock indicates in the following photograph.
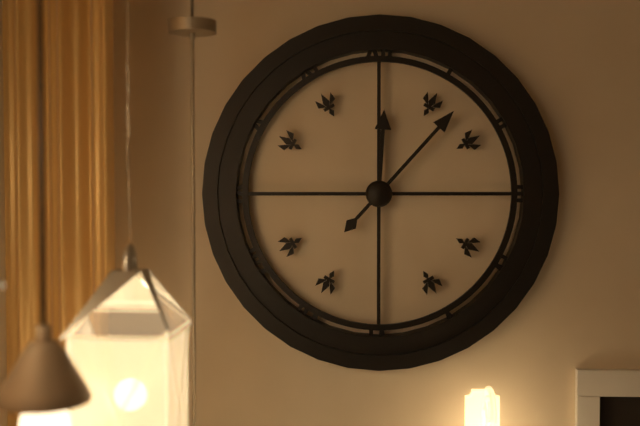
12:07
